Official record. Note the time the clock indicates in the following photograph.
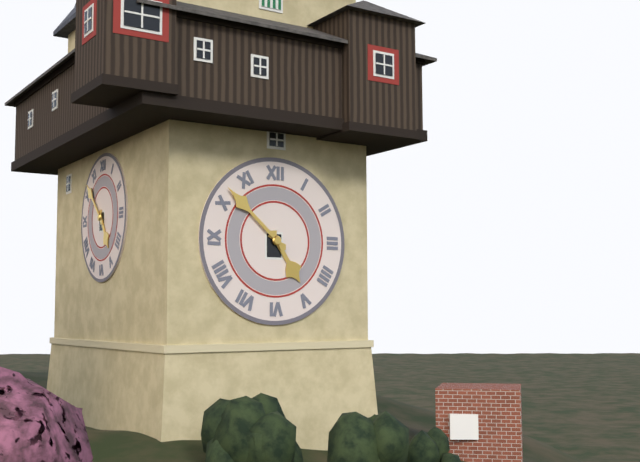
4:52
